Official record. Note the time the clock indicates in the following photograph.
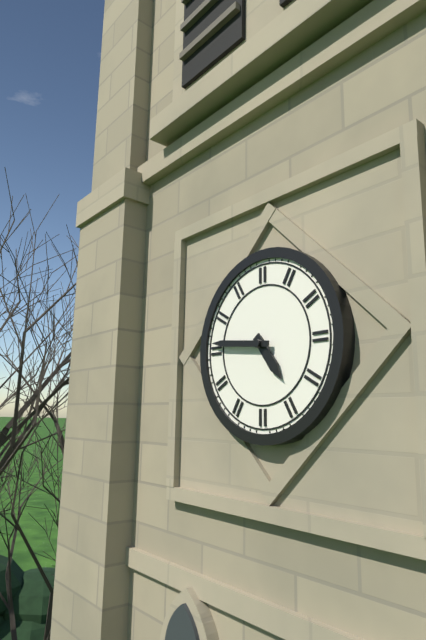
4:46
